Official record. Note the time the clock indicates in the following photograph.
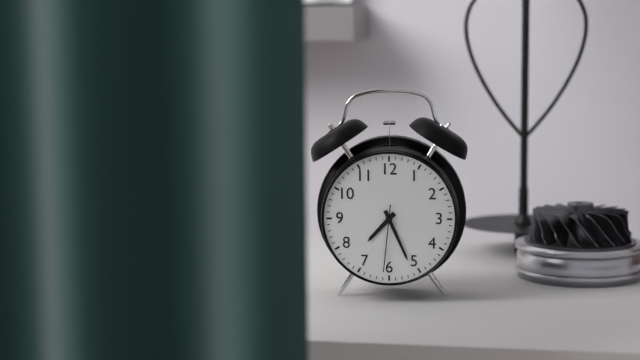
7:26:31
